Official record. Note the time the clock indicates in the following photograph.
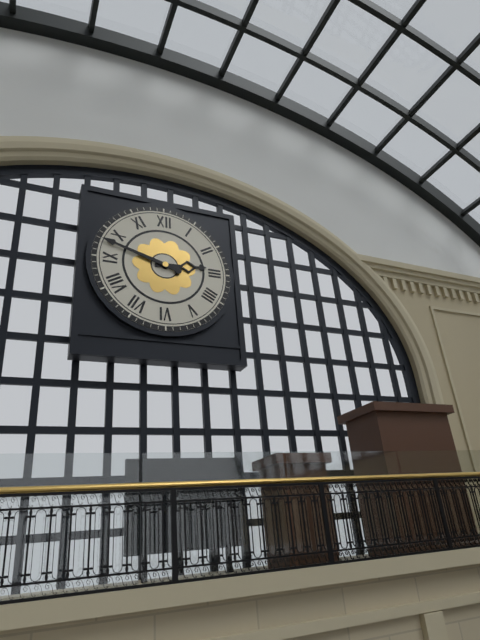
2:48
